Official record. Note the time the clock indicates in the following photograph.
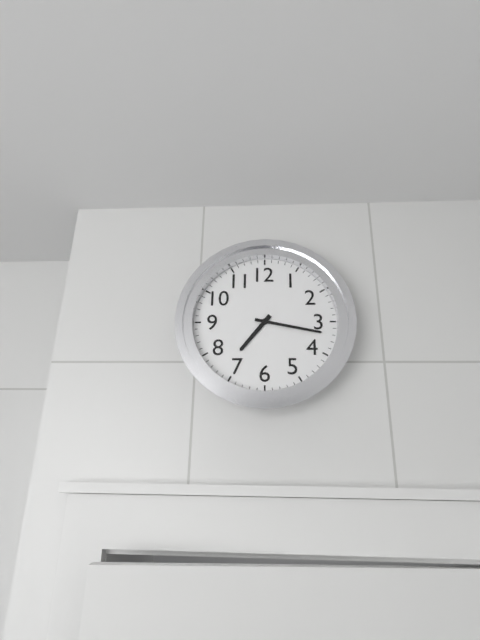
7:17
